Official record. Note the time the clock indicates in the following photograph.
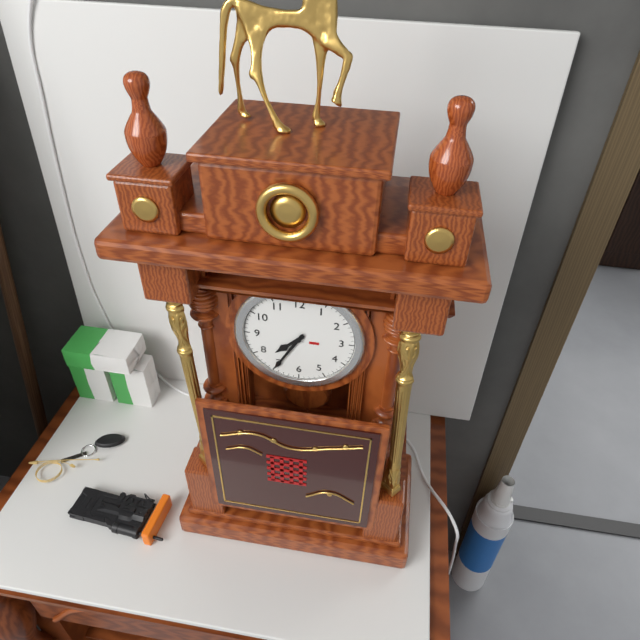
7:35
